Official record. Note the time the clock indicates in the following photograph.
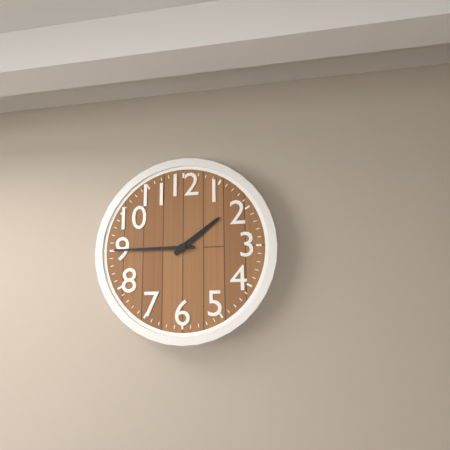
1:45
